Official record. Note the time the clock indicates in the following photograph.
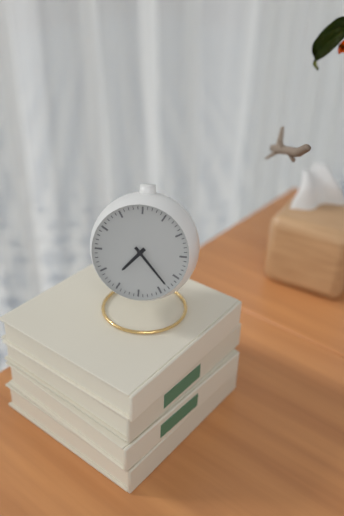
7:23
